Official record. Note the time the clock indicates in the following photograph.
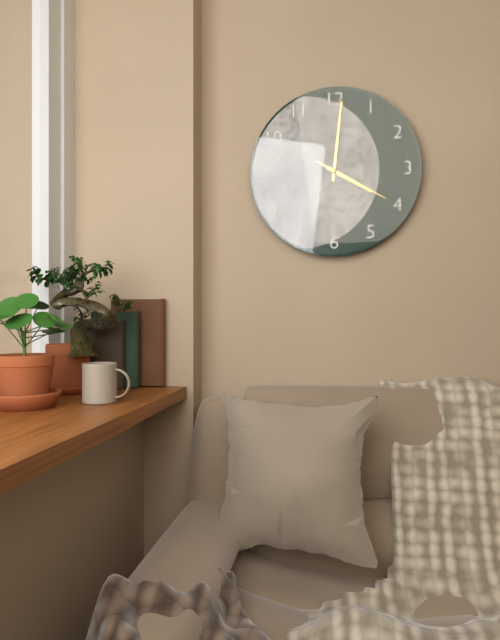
4:01:20
